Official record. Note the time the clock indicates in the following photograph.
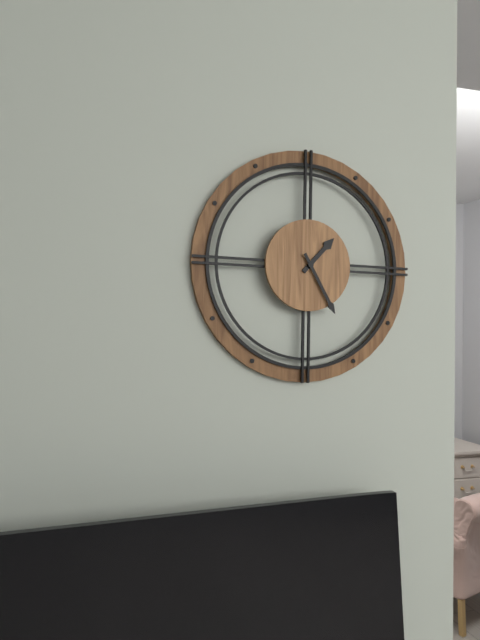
1:25
